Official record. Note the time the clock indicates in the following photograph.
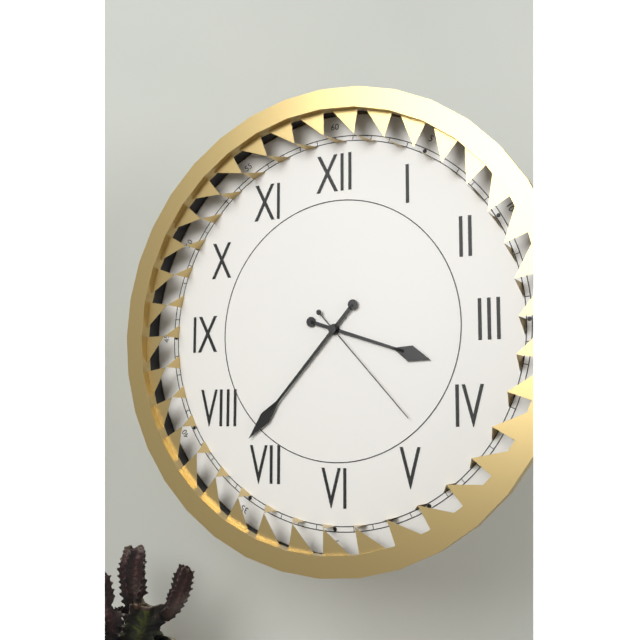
3:37:23
